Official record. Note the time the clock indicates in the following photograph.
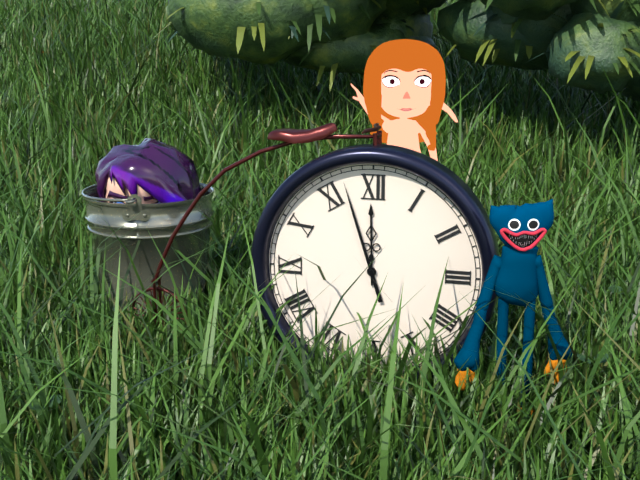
11:57
